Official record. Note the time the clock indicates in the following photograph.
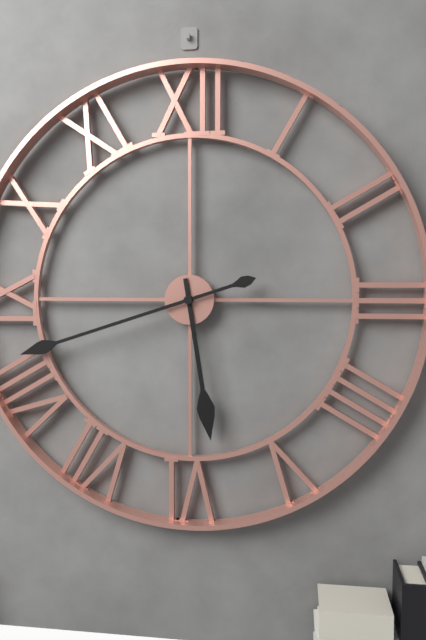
5:42
